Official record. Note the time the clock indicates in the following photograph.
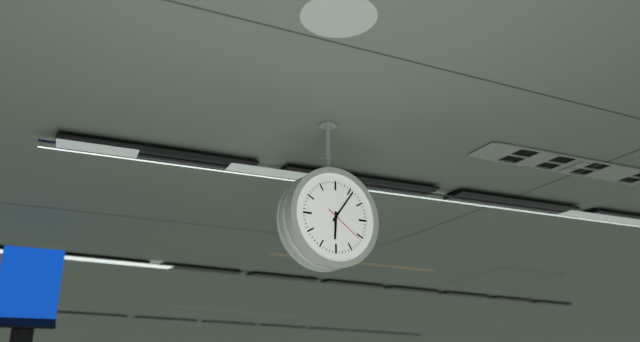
6:06
